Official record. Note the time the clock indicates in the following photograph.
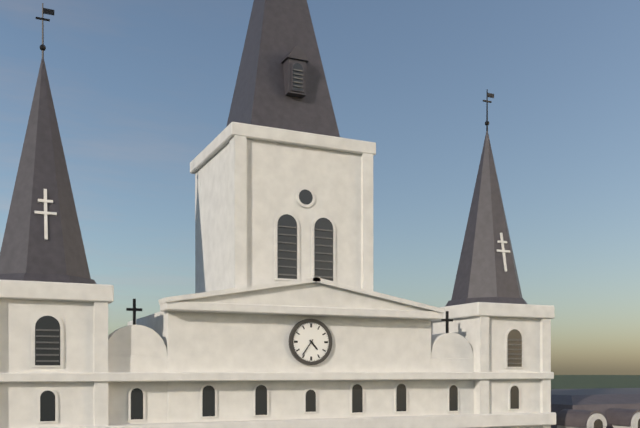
4:36
